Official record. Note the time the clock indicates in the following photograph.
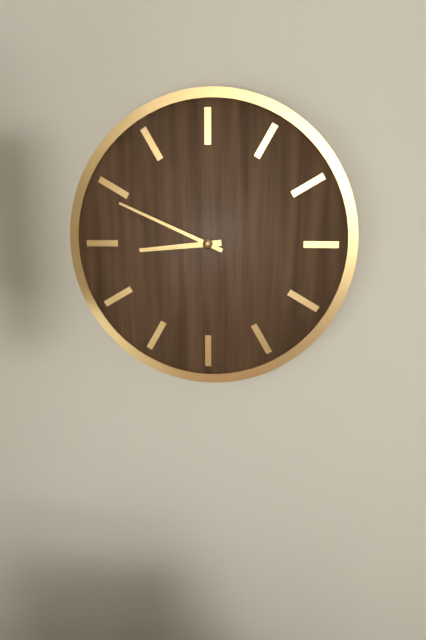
8:49
